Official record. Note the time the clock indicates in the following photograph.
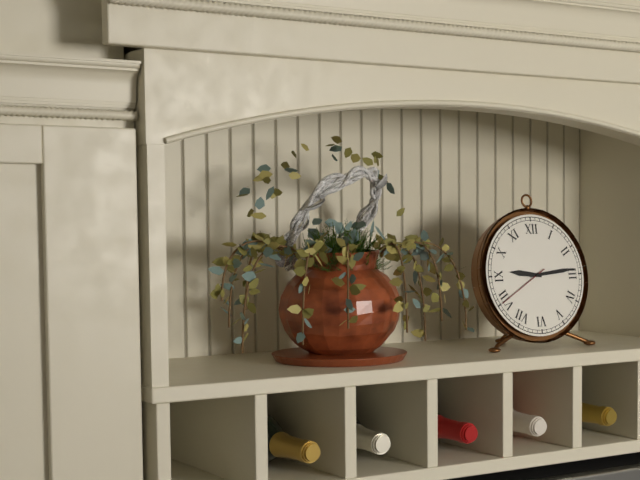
9:14:40
